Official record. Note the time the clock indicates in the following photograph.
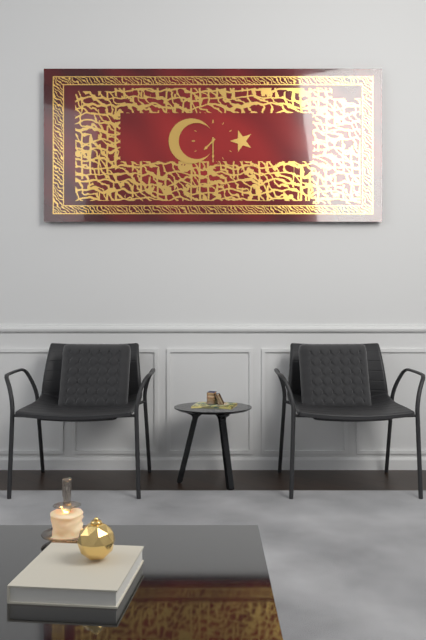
7:30
